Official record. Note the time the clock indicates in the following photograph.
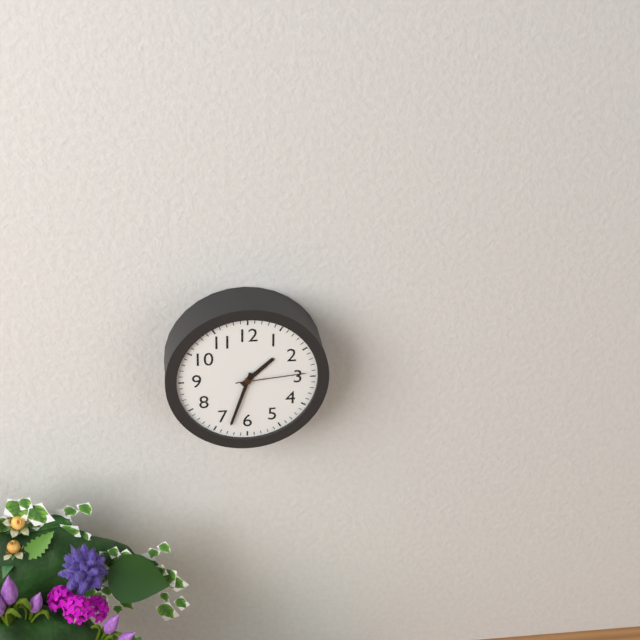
1:33:14
